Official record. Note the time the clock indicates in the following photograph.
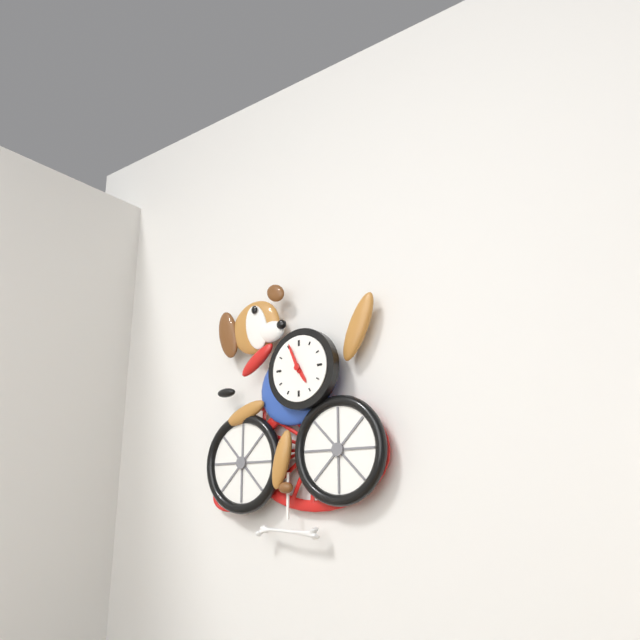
4:56
